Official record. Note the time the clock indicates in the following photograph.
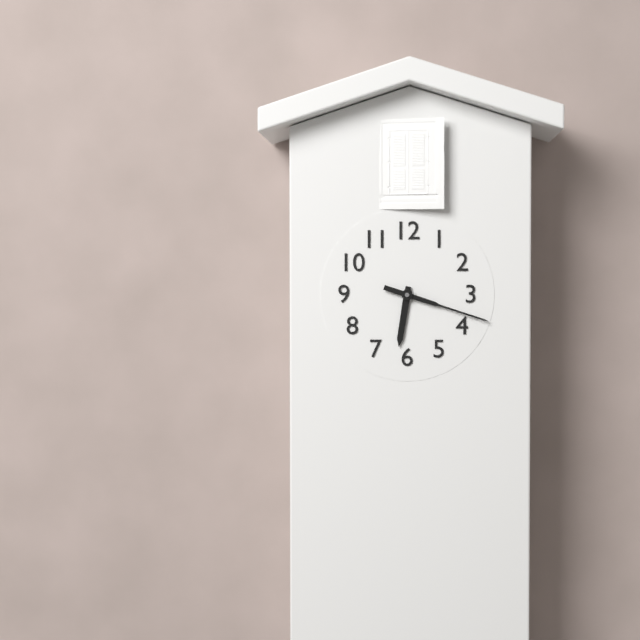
6:18
